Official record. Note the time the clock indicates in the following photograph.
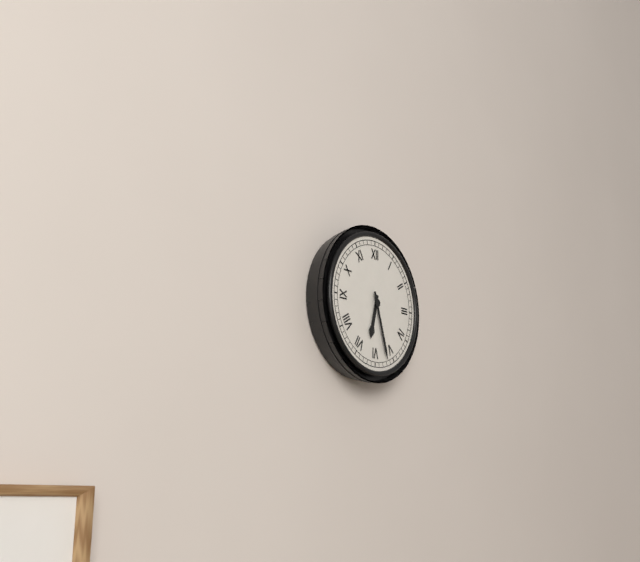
6:27
